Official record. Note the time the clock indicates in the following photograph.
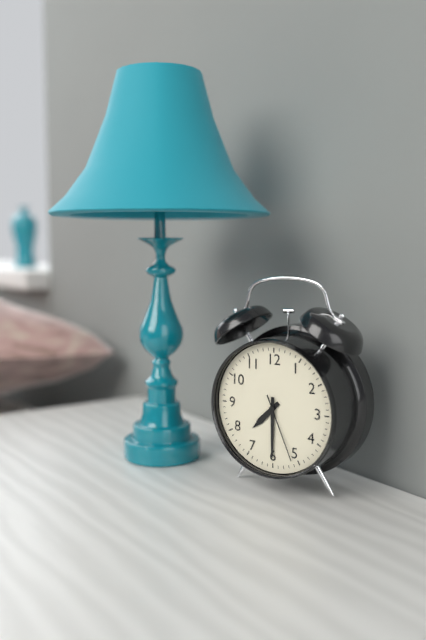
7:30:26
